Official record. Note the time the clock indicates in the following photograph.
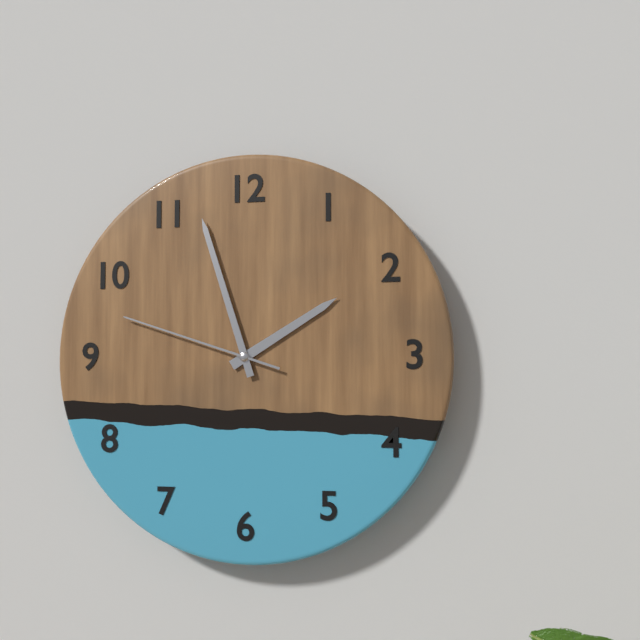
1:57:48
